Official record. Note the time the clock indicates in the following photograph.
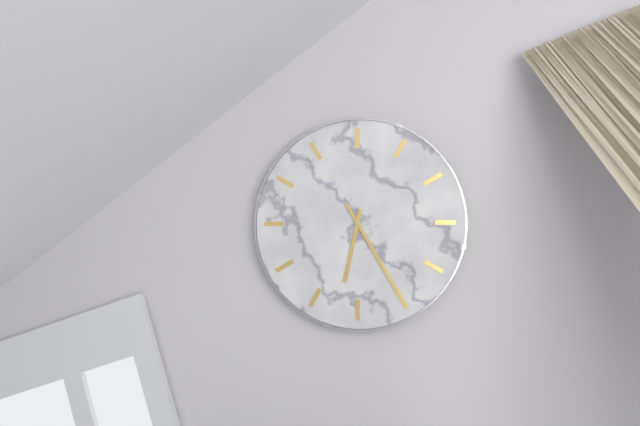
6:25
